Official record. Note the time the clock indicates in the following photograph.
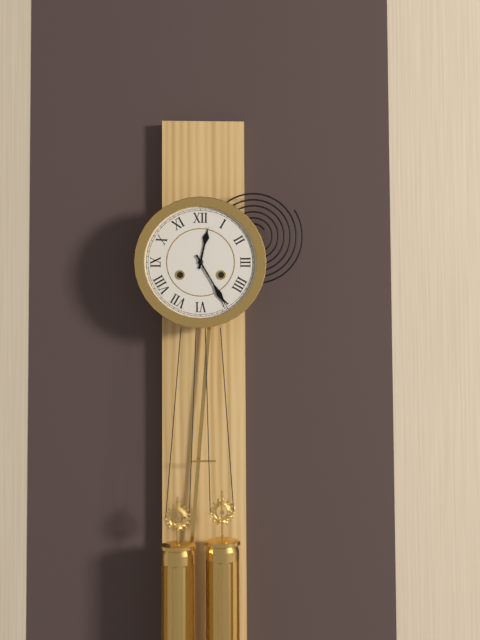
12:25
